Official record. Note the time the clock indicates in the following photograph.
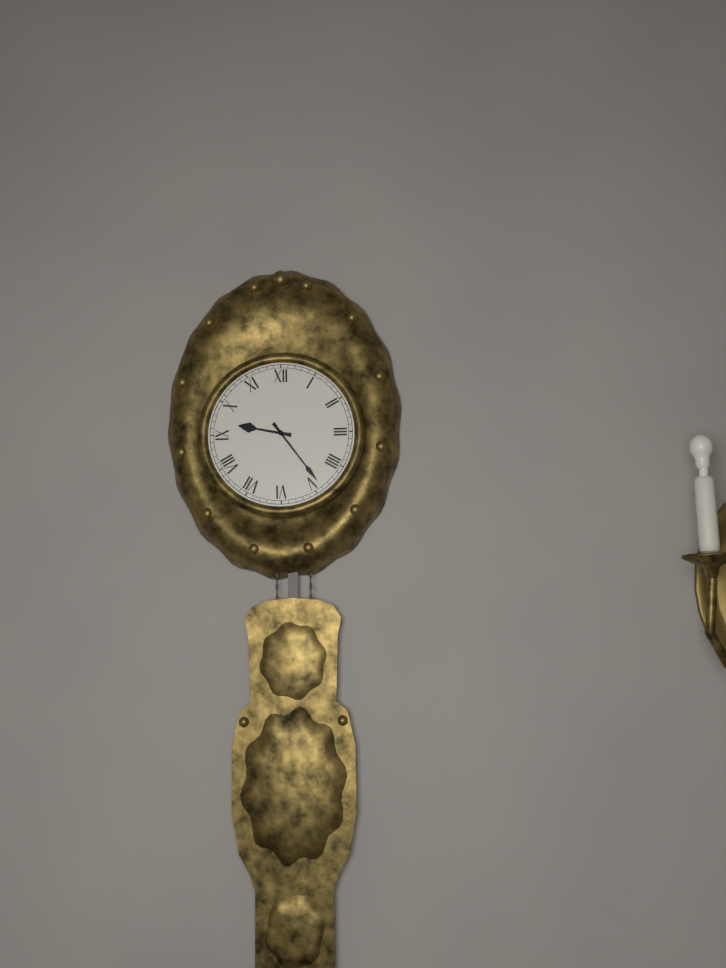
9:24
